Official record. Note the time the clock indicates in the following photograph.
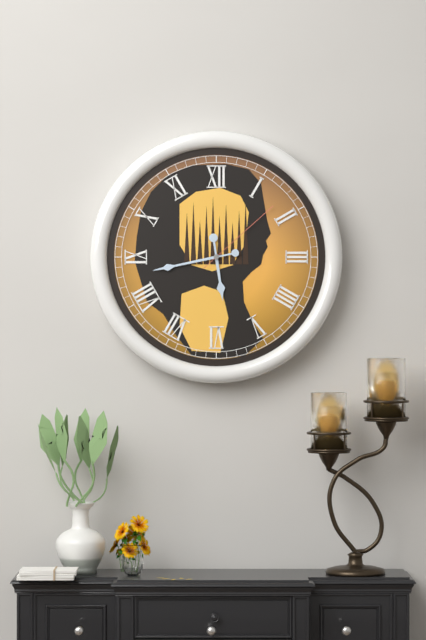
5:43:08
